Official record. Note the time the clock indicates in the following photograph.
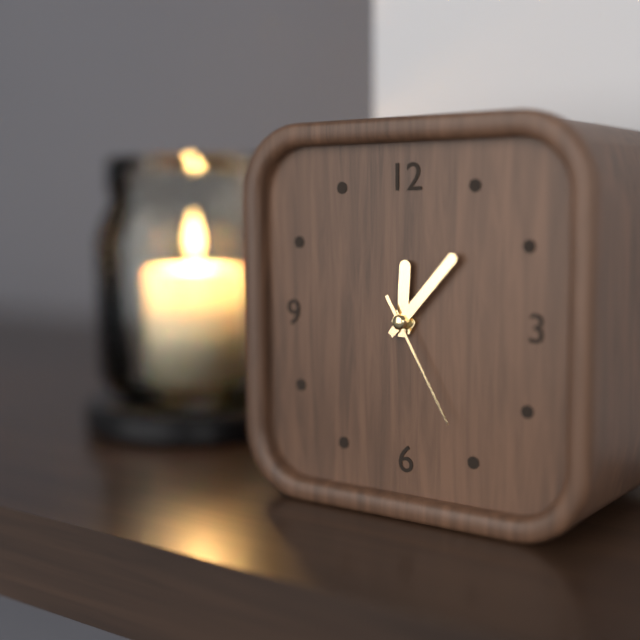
12:07:25
